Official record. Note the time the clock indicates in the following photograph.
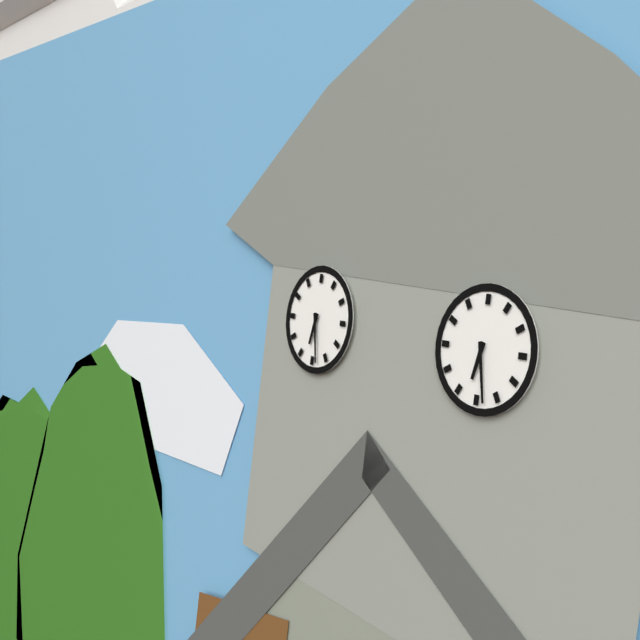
6:28
